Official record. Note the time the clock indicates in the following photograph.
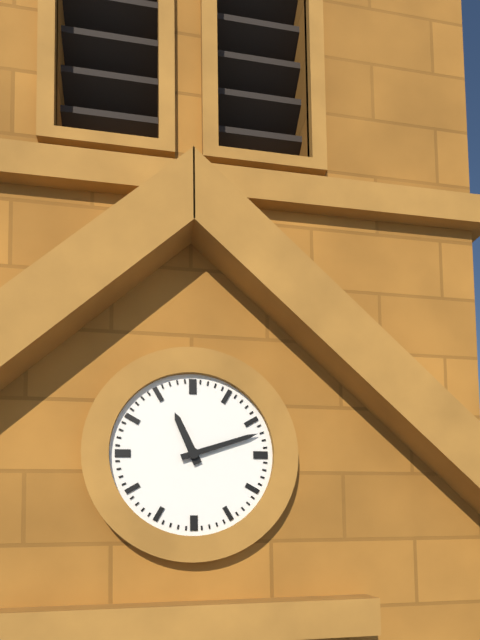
11:12
